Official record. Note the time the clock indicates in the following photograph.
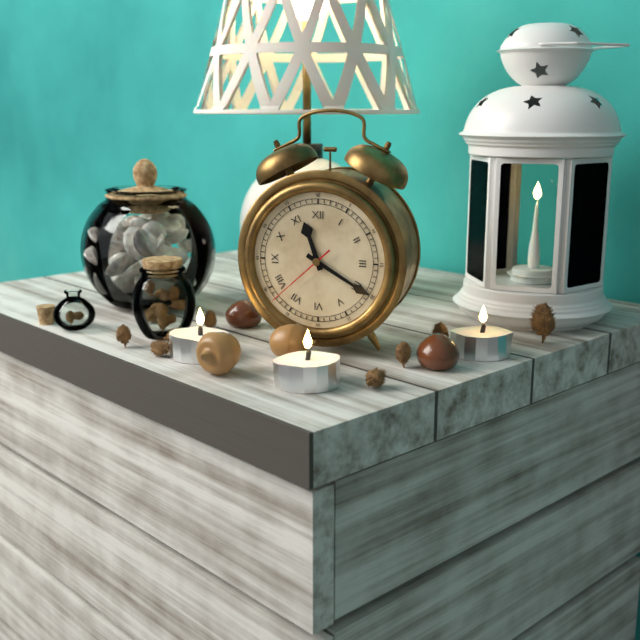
11:20:38
